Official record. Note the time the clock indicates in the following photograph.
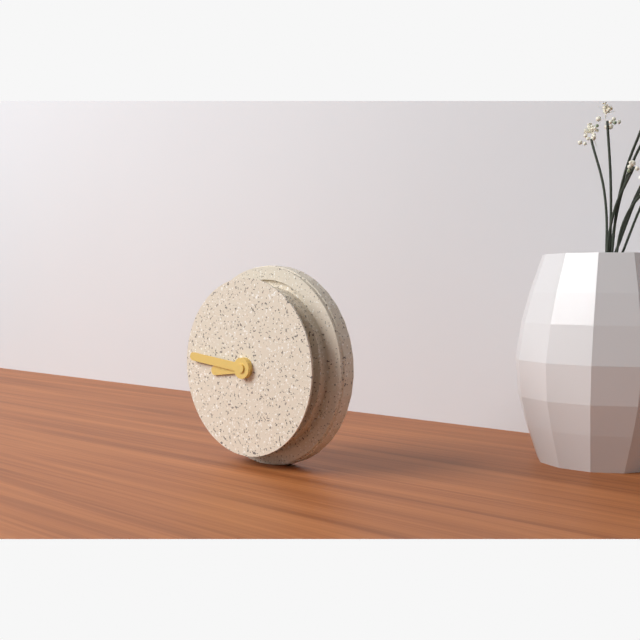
8:46
